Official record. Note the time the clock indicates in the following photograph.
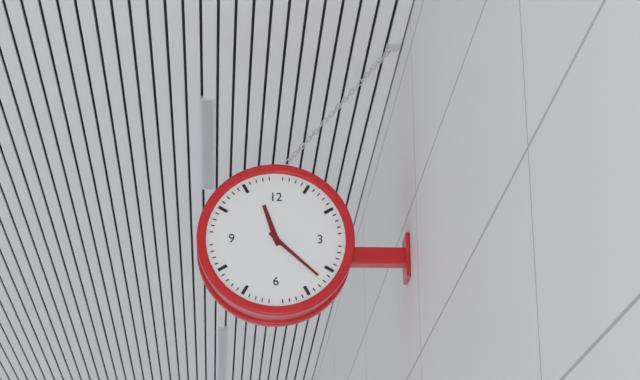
11:22
